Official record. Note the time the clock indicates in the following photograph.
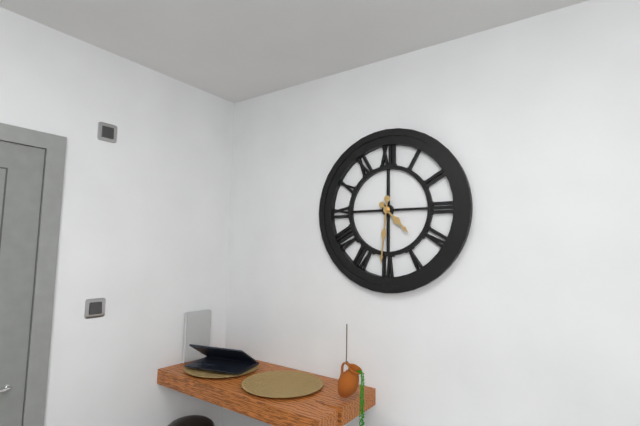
4:31
